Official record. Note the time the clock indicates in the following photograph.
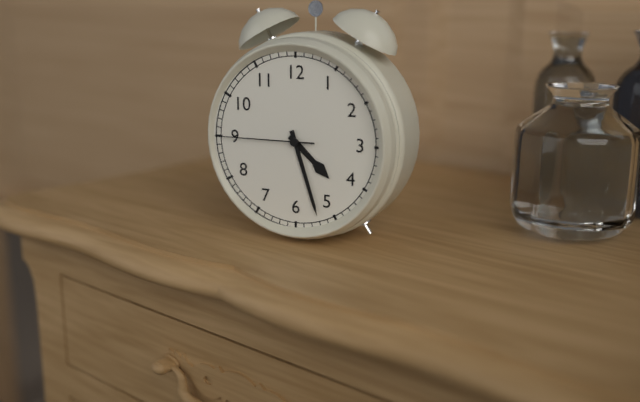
4:27:45
